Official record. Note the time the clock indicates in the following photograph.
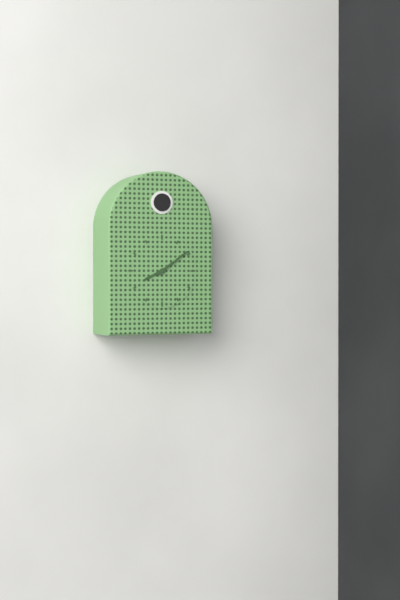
8:09
